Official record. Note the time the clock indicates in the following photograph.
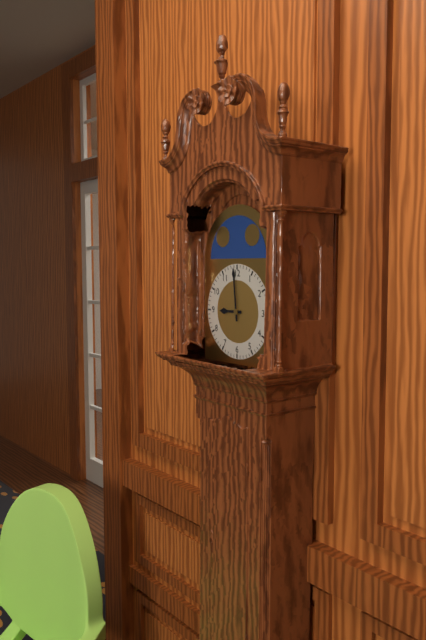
8:59
